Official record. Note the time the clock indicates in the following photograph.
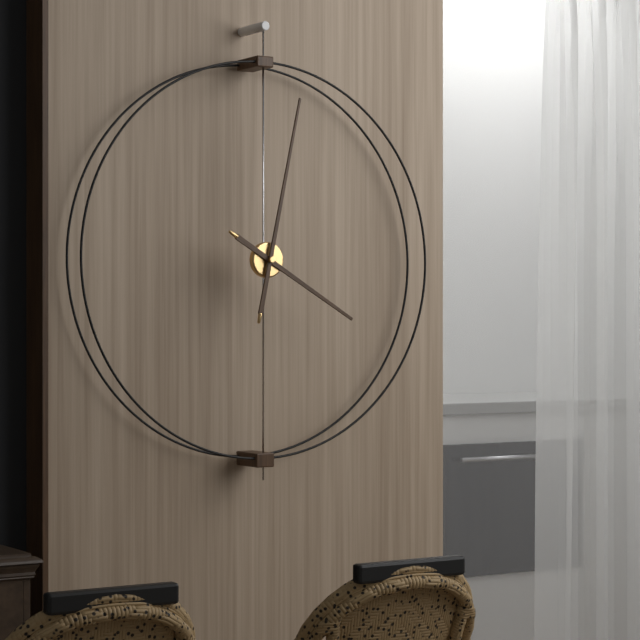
4:02
